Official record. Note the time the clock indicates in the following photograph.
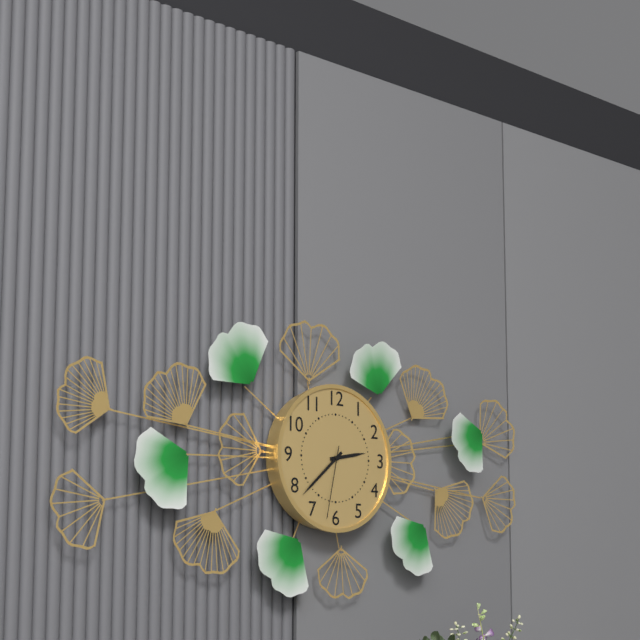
2:38:32
